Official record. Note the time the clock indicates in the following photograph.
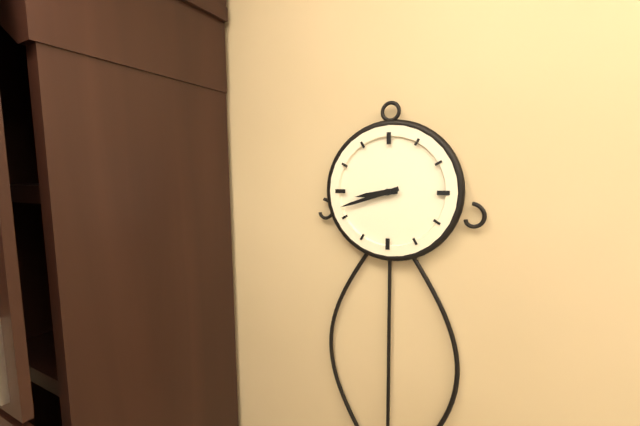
8:42
